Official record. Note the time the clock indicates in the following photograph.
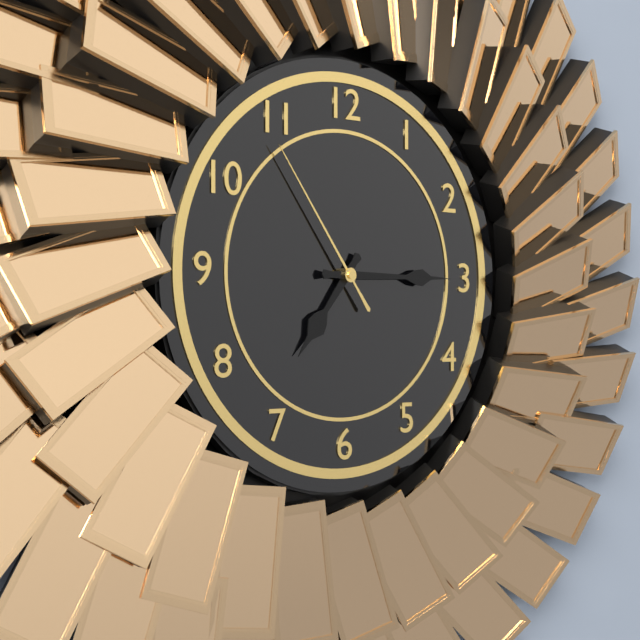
7:15:54
